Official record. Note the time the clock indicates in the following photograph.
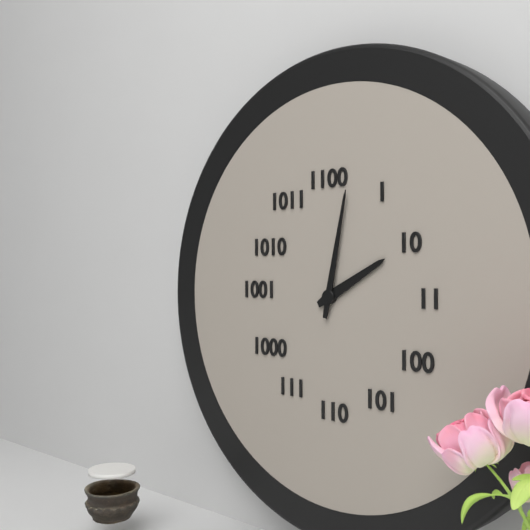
2:02
